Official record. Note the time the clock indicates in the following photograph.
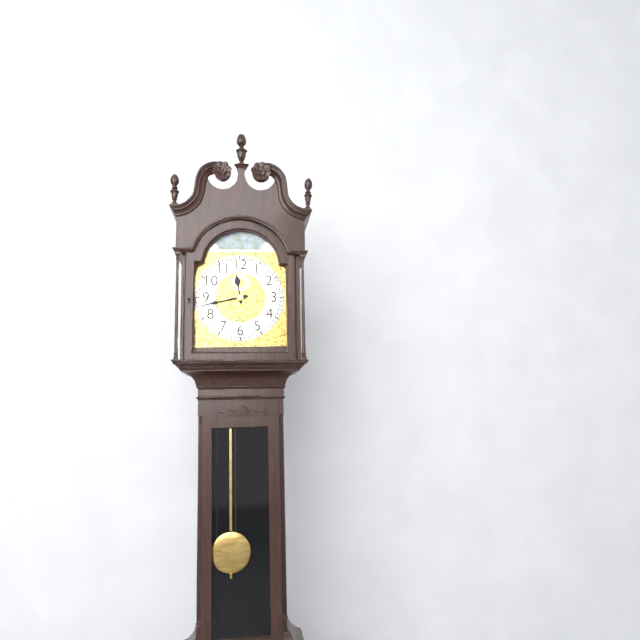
11:43
